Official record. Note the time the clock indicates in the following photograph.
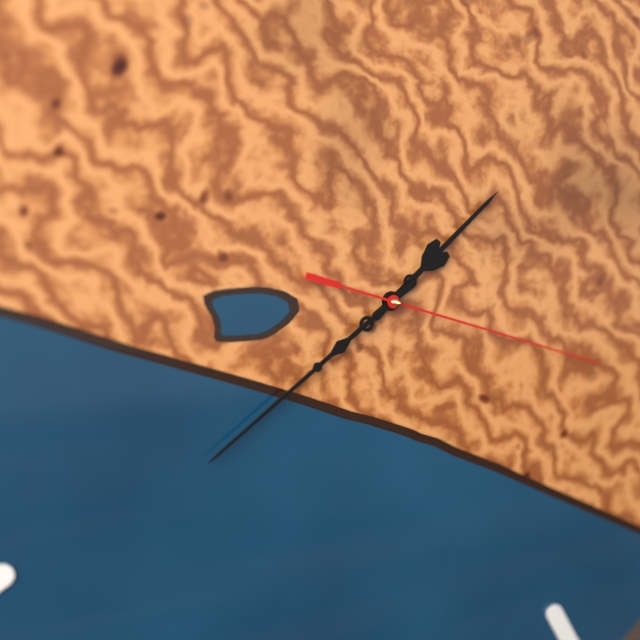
1:39:18
